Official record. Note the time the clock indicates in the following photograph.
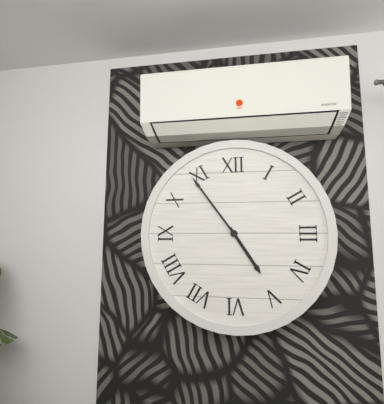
4:54
